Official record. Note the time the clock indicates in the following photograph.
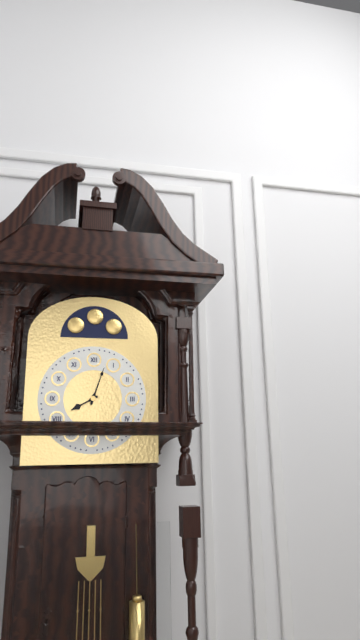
8:03
